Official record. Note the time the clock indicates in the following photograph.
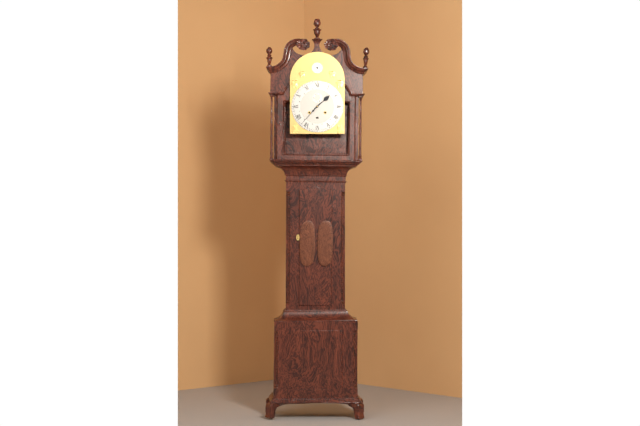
1:37
